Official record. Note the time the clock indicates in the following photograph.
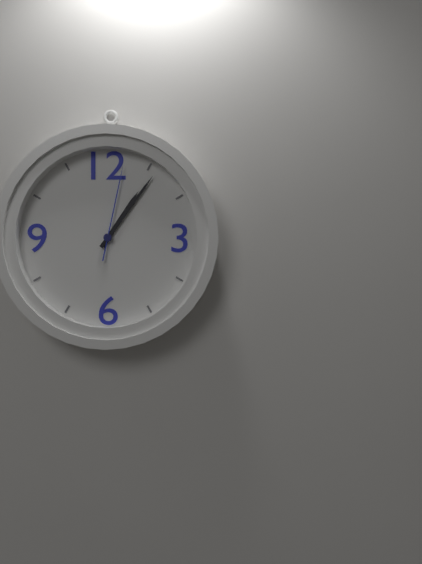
1:06:02
